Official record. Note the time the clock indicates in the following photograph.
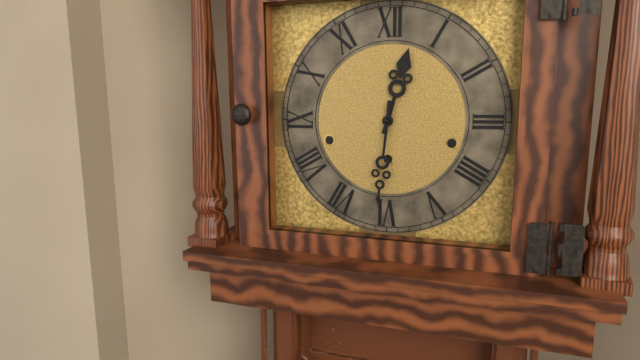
12:31
